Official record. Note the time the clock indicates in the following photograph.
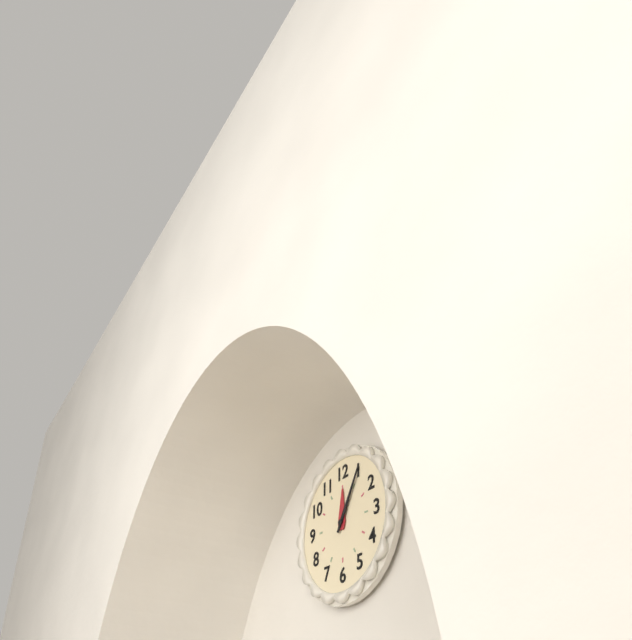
12:05
